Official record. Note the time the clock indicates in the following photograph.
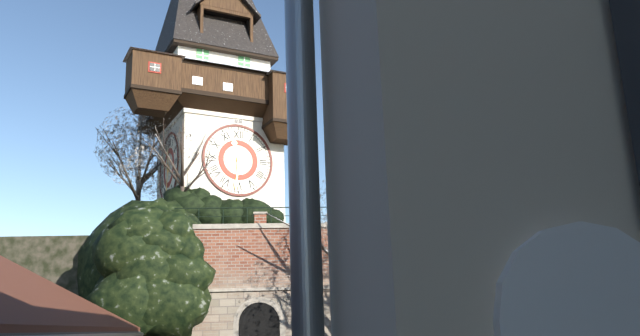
11:31
